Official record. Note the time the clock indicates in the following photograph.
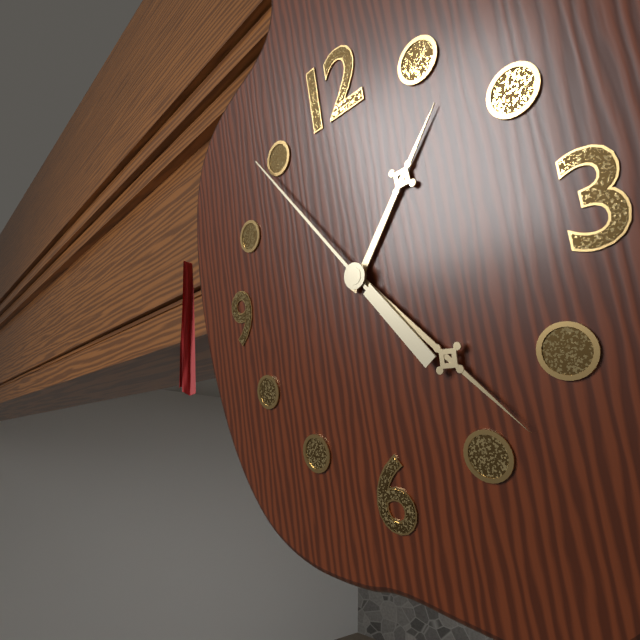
1:23:54
